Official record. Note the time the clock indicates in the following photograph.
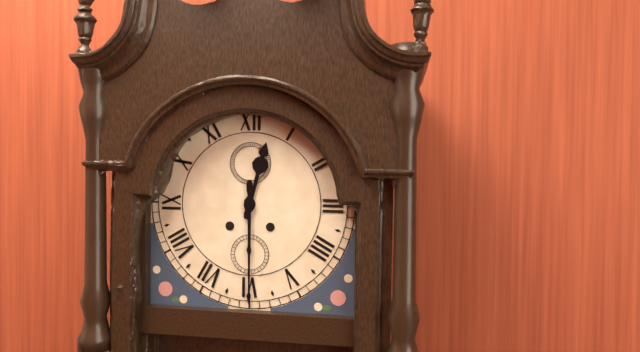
12:30
